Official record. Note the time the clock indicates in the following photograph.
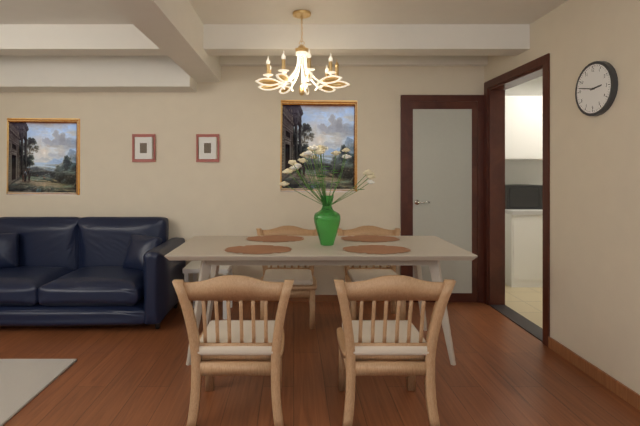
2:47
